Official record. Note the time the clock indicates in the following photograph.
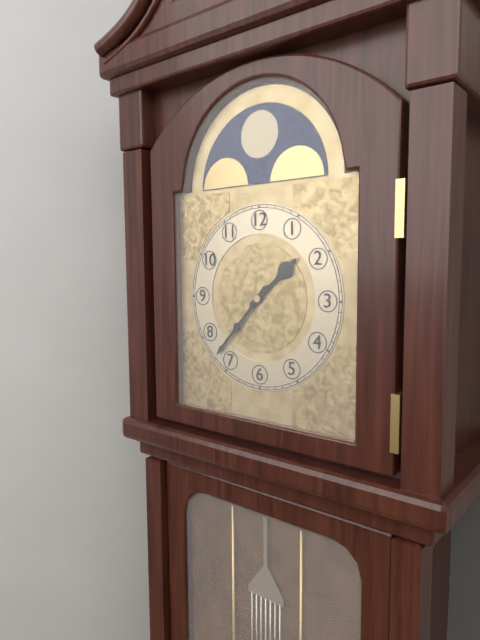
1:37
